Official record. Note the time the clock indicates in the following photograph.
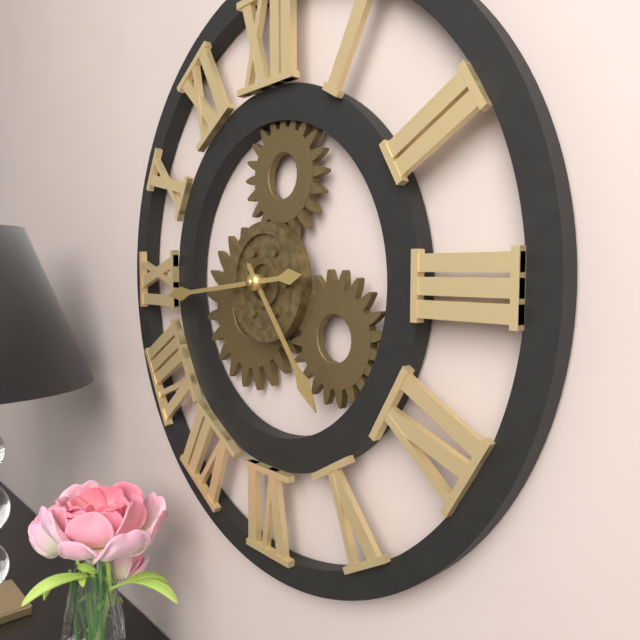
4:44
